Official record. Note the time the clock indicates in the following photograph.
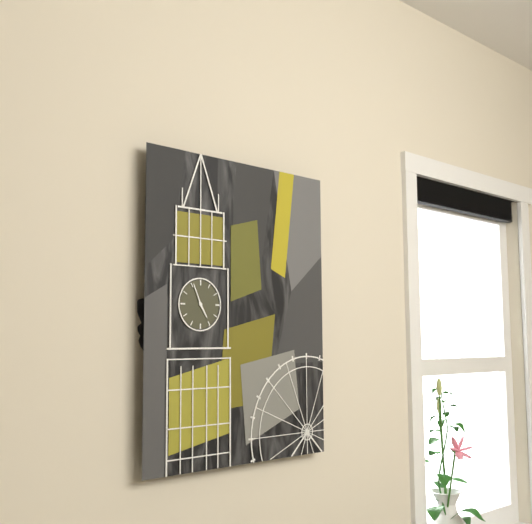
4:56
